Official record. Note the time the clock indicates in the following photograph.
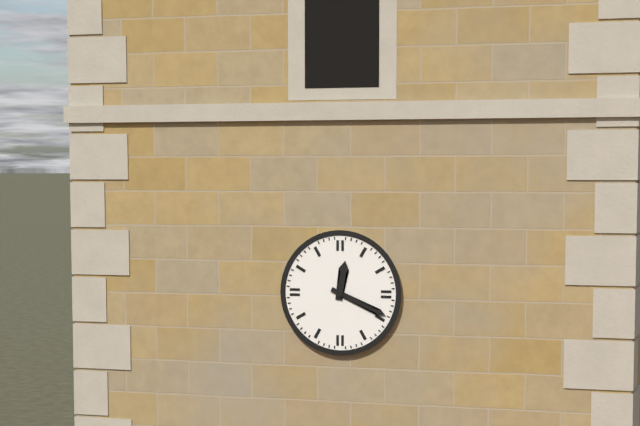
12:19
